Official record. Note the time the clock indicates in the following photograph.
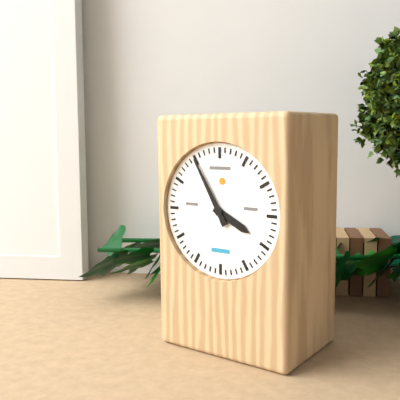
3:55
